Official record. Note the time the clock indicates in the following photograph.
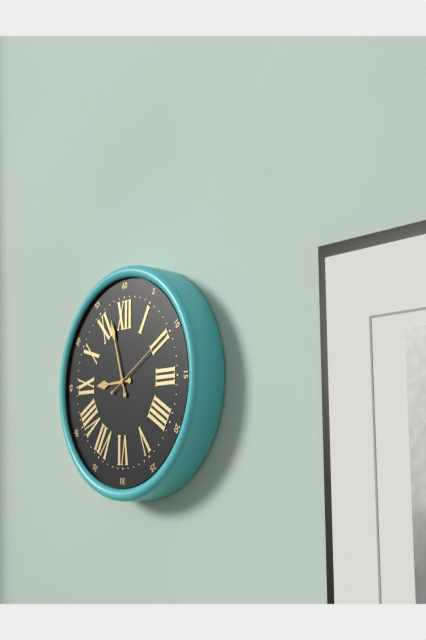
8:57:10
